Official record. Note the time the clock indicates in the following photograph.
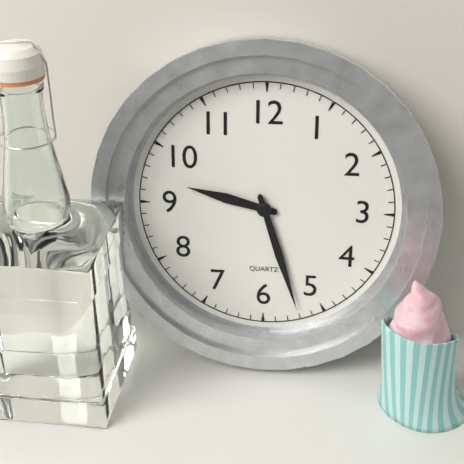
9:27
